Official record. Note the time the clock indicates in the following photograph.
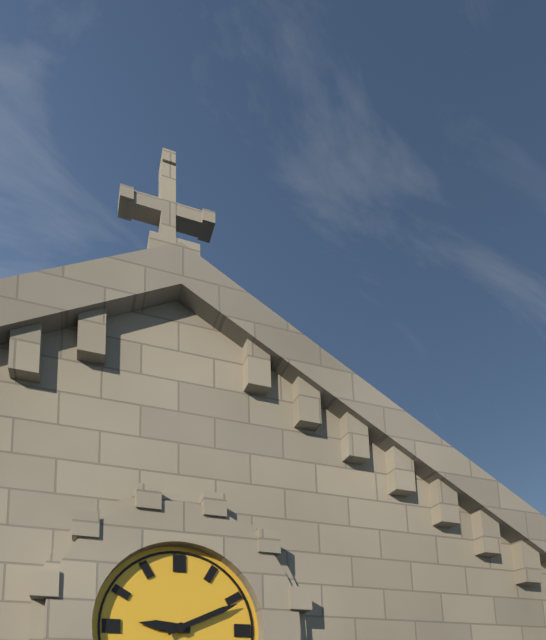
9:11
